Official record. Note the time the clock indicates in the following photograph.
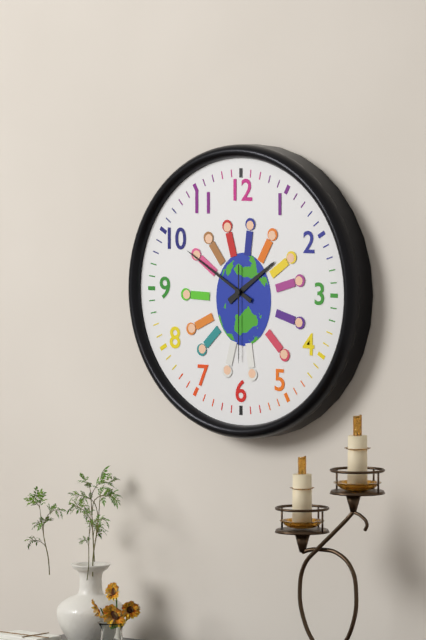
1:50:30
